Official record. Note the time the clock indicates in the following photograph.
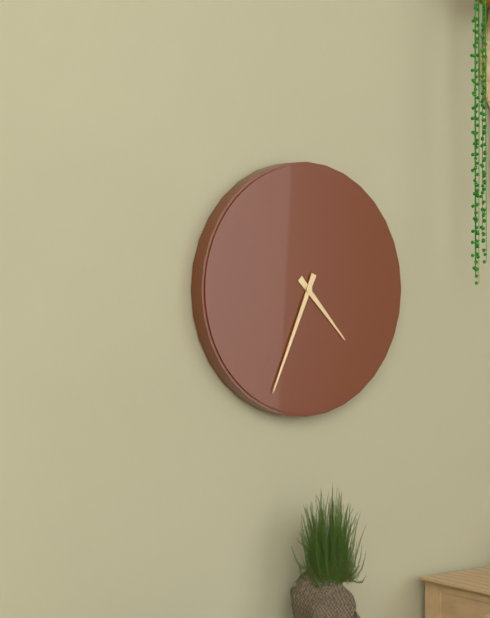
4:34
